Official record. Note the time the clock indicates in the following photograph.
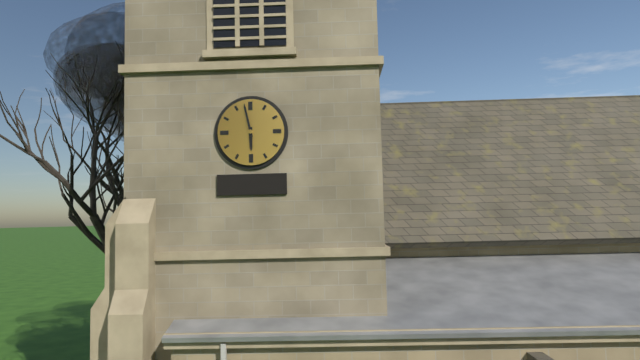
5:58
